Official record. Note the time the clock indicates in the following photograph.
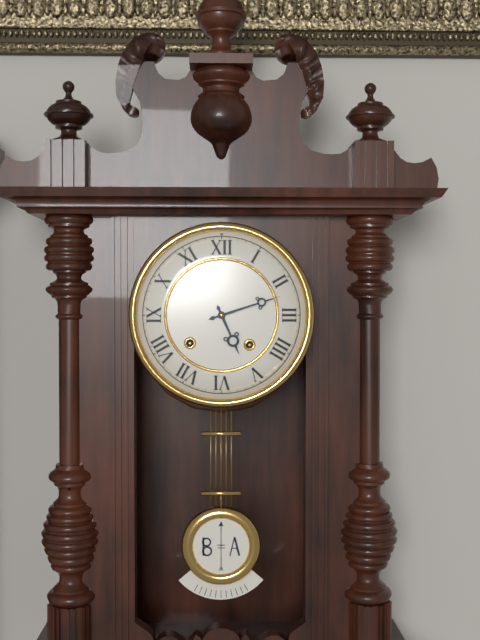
5:12
